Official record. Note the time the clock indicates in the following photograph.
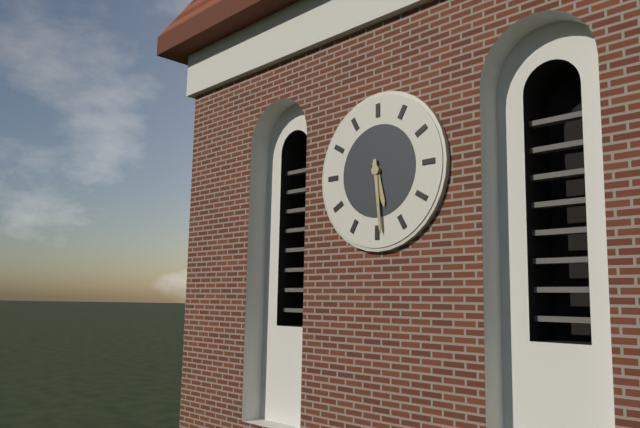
5:29
